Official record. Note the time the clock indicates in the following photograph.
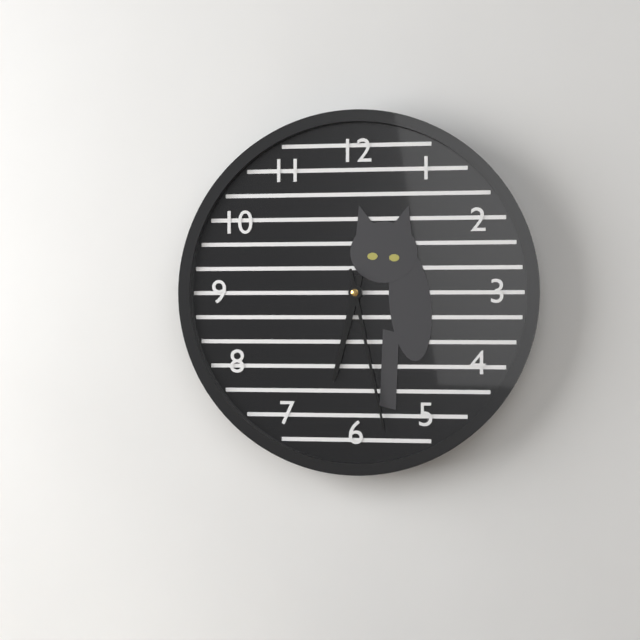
6:28
